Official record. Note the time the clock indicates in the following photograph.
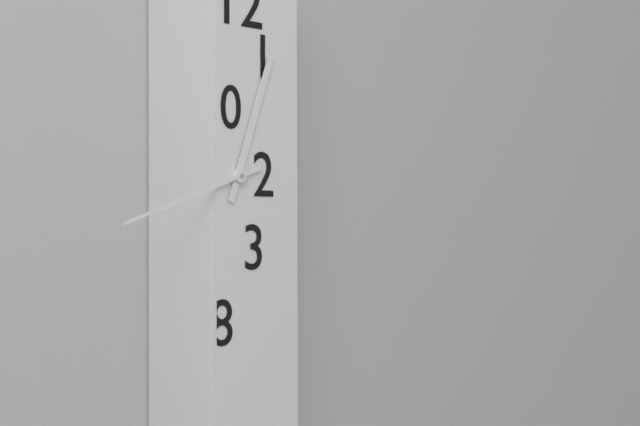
12:42
